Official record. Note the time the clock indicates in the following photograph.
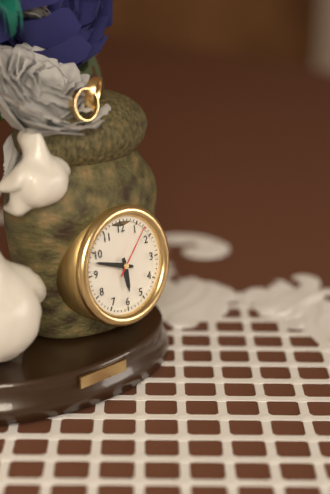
5:48:07
